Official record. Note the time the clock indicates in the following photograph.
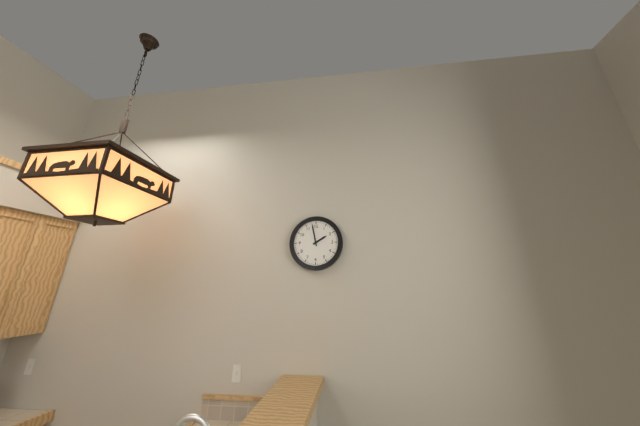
1:58
